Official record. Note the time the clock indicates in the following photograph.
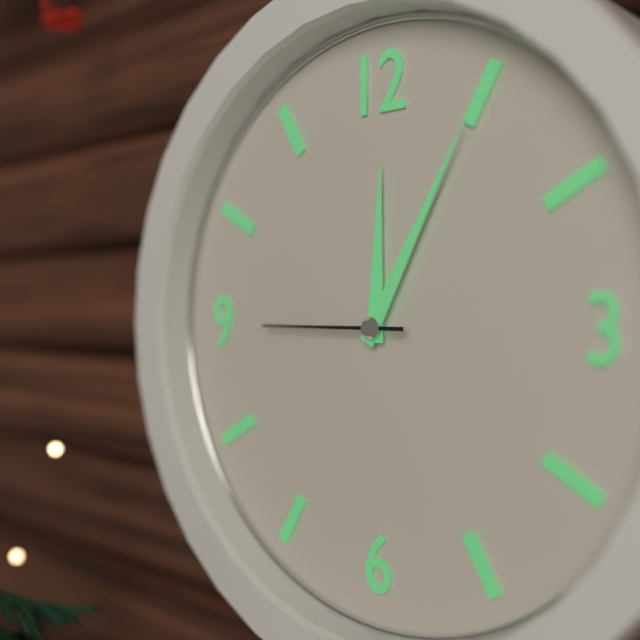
12:05:45
